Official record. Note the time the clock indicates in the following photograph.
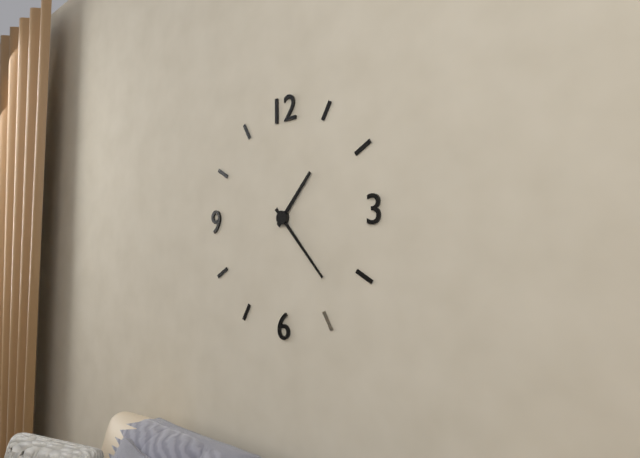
1:23
